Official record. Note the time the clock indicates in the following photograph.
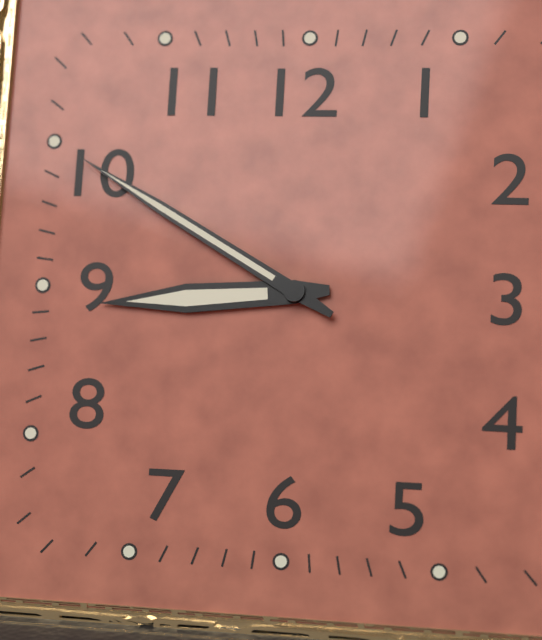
8:50
